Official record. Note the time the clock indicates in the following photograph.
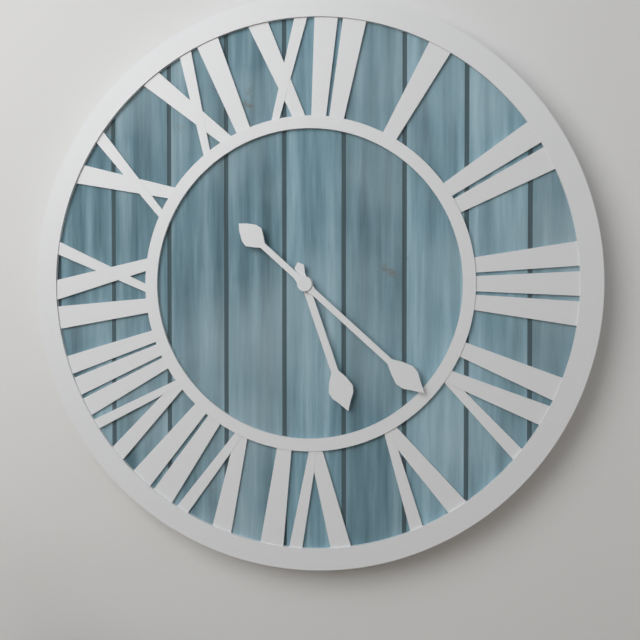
5:22
